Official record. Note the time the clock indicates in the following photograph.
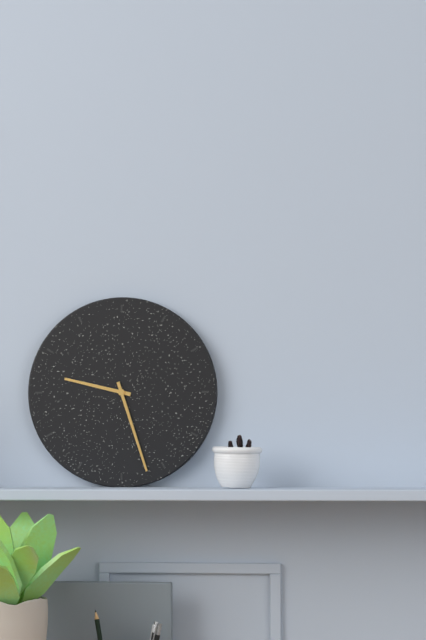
9:27
